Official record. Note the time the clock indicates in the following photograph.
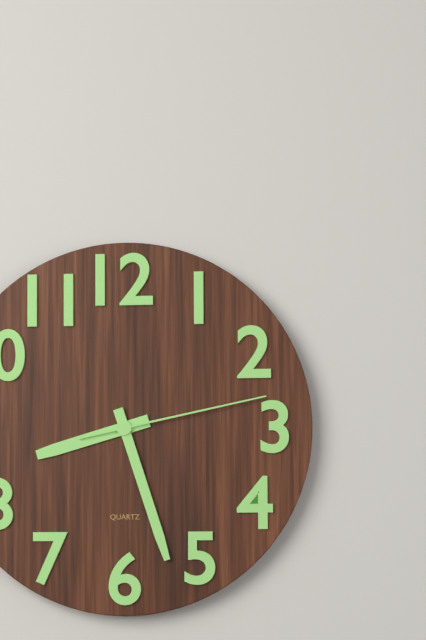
8:27:13
